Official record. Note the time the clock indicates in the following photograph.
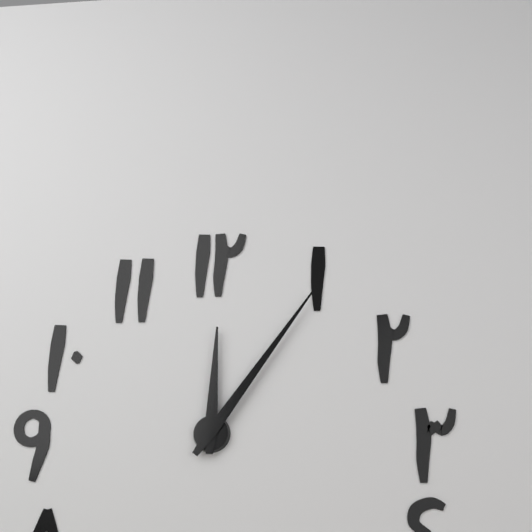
12:06
